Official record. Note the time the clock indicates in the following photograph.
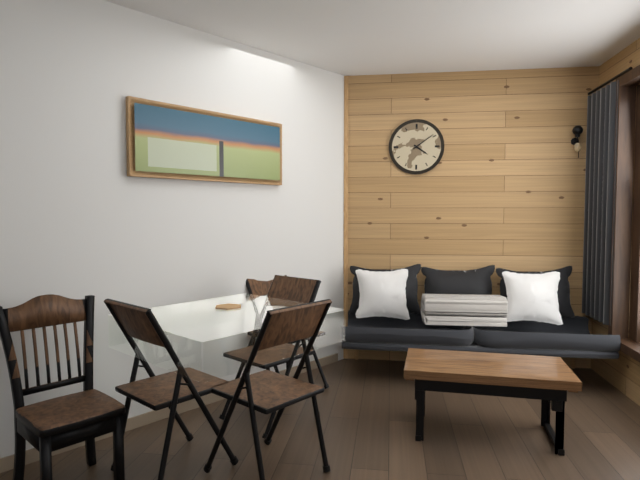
4:09
